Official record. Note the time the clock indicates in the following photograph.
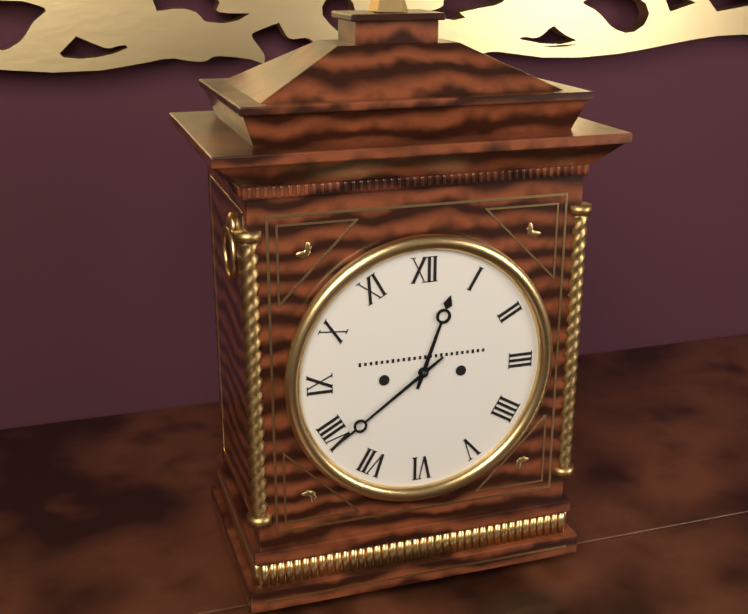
12:39
